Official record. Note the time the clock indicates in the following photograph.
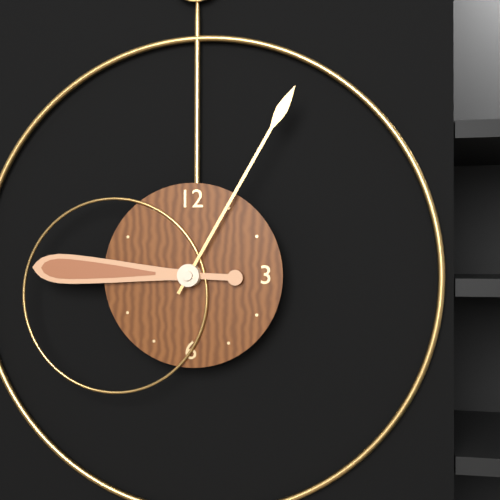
9:05
